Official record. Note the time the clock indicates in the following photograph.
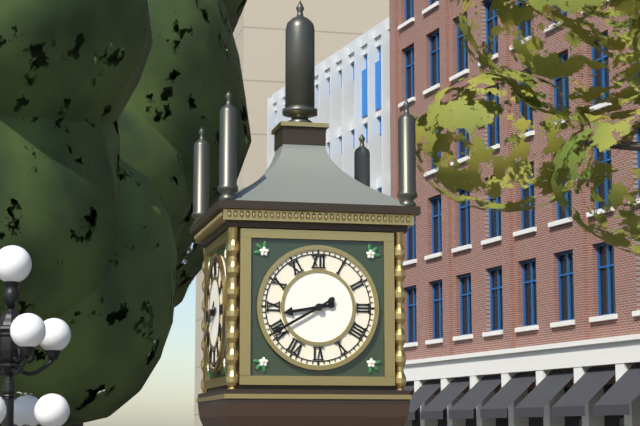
8:40
